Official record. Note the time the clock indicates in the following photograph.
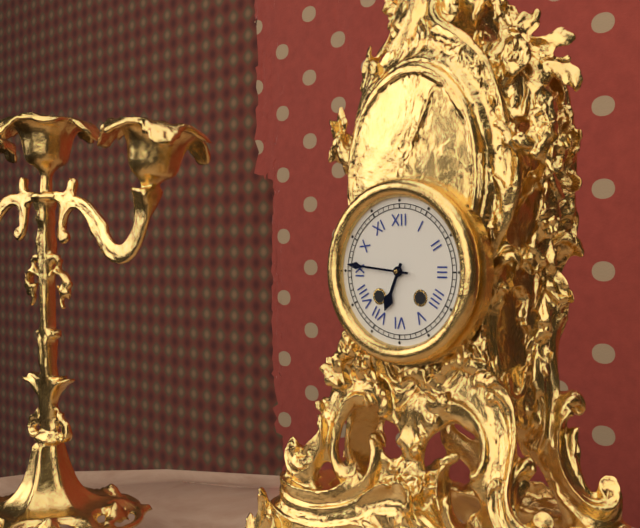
6:46
